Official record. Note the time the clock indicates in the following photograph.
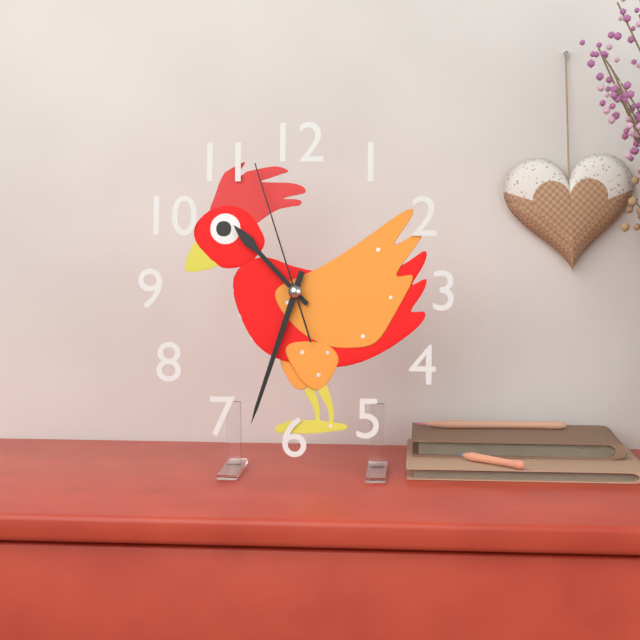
10:33:57
